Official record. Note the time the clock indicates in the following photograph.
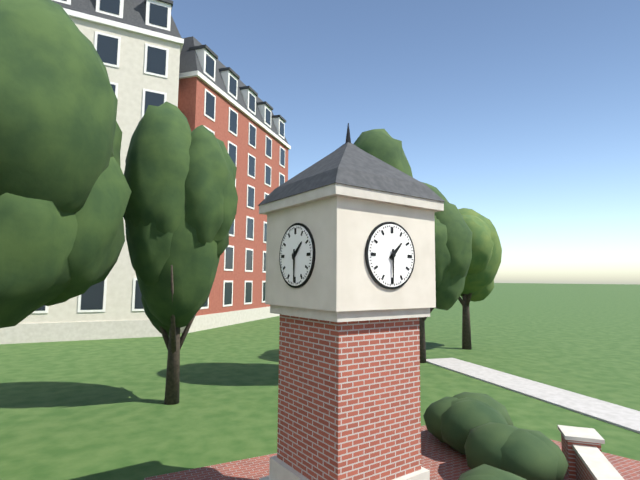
1:30
